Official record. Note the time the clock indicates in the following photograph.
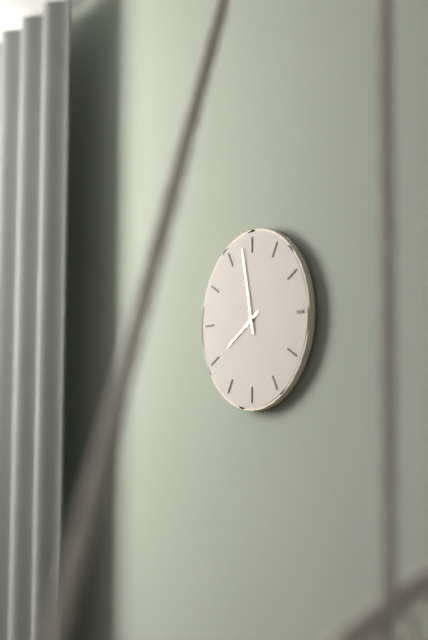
7:58
